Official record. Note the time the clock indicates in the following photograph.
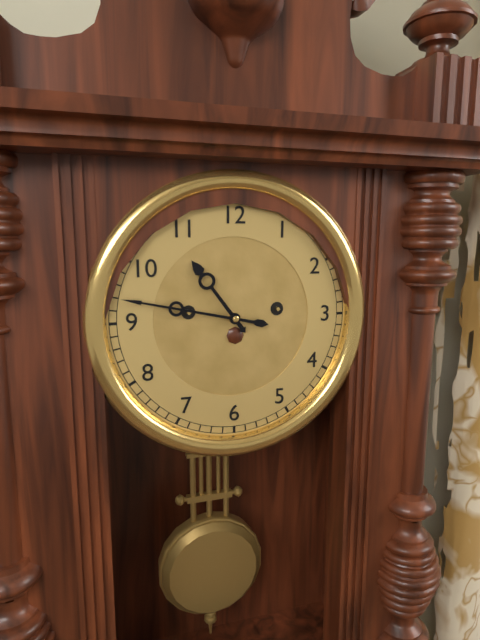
10:47
